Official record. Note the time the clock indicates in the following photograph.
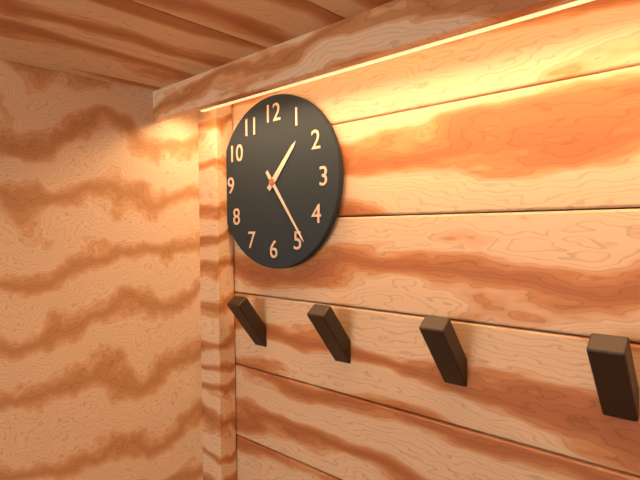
1:24
